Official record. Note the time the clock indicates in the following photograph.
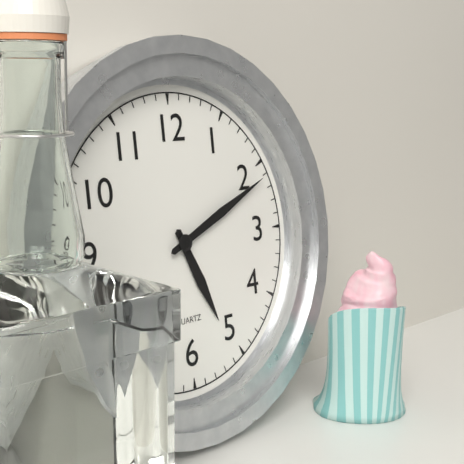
5:11
